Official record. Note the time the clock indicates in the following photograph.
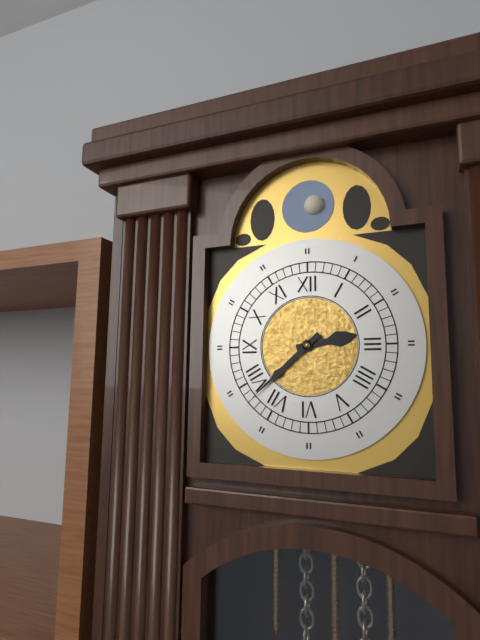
2:38
